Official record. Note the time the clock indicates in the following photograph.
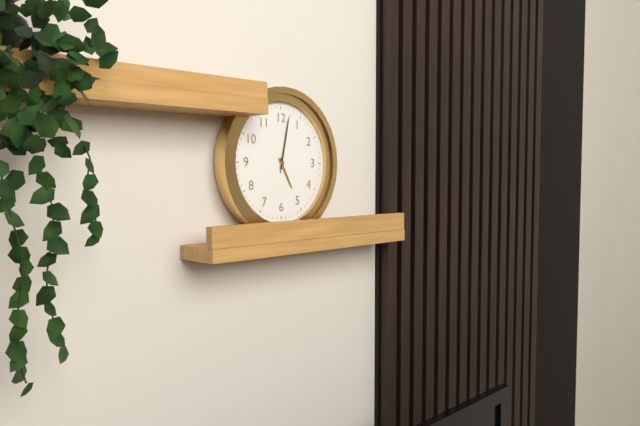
5:02:02
